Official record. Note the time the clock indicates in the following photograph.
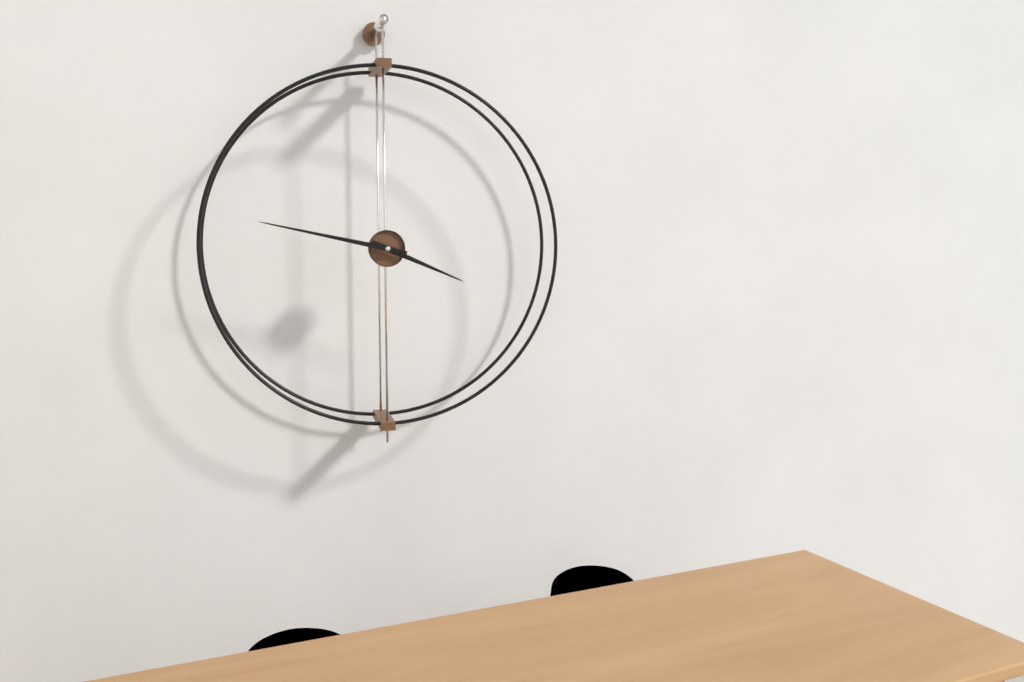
3:47
